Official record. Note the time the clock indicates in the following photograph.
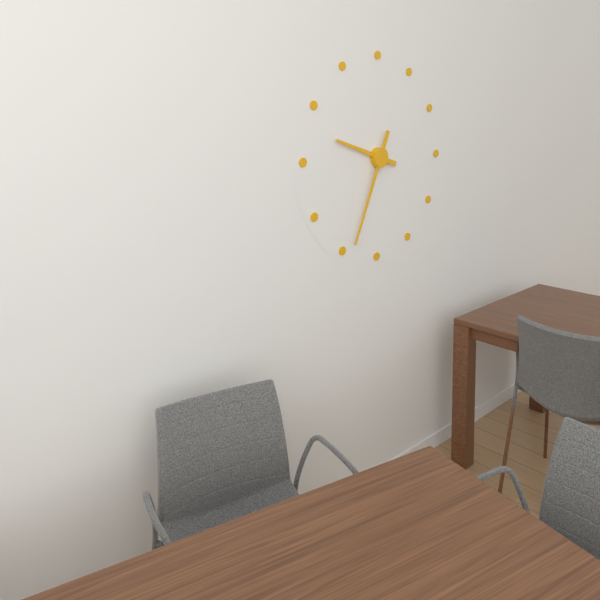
9:34
